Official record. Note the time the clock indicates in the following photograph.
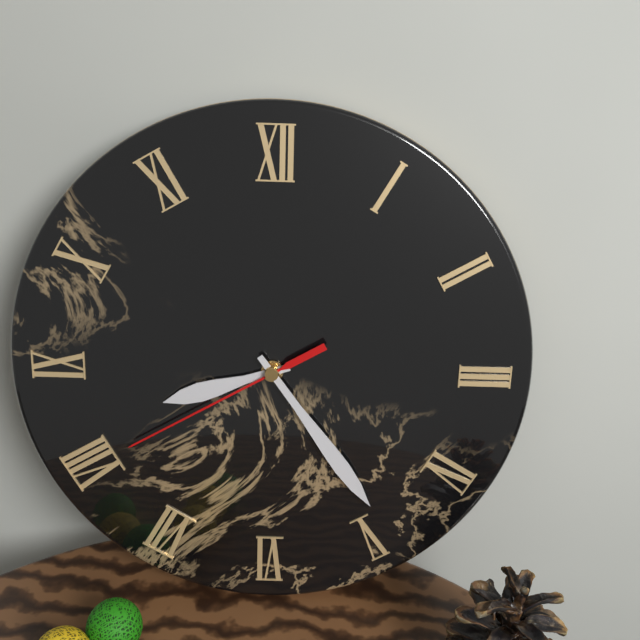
8:24:40
